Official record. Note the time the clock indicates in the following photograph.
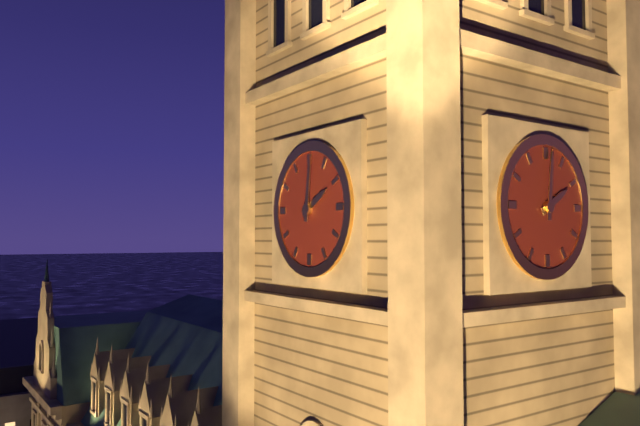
2:01
